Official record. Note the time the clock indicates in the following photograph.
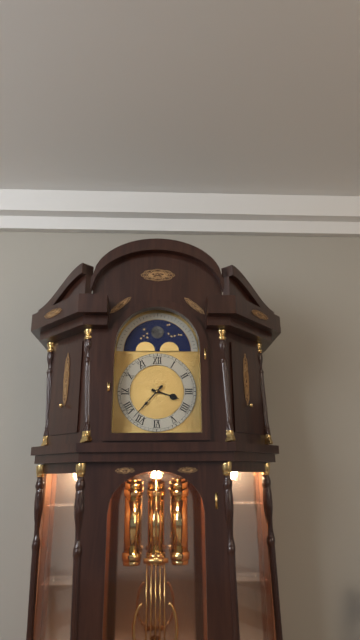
3:37
